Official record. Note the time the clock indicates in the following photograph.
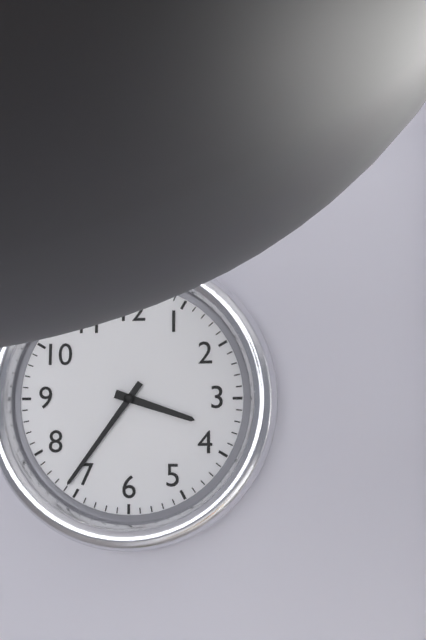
3:36
